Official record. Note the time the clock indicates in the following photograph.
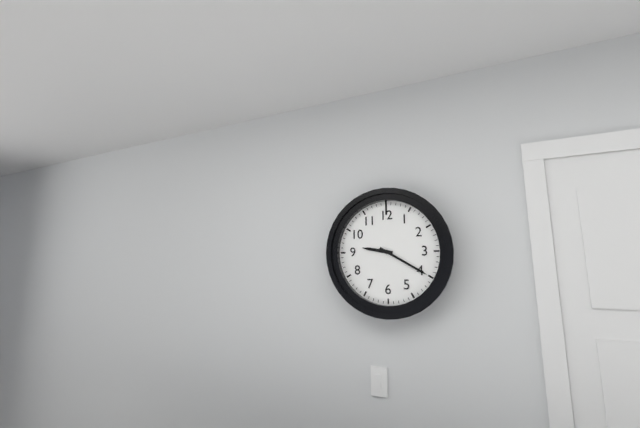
9:20
